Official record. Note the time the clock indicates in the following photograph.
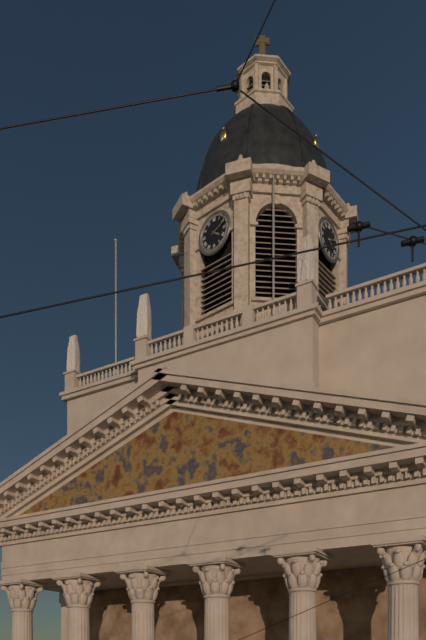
4:11
